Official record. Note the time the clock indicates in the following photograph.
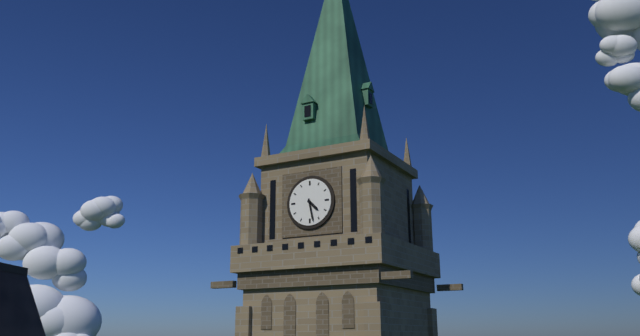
4:28
